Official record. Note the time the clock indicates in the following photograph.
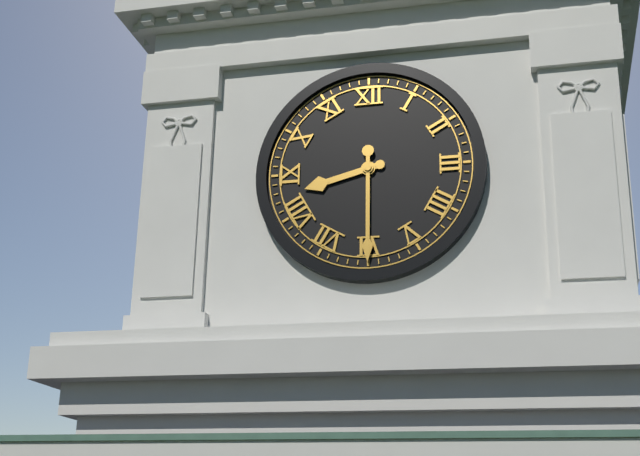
8:30
